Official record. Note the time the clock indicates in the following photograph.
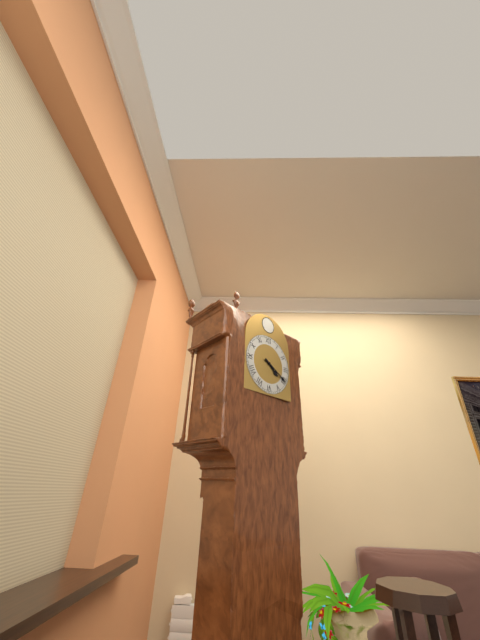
4:20
